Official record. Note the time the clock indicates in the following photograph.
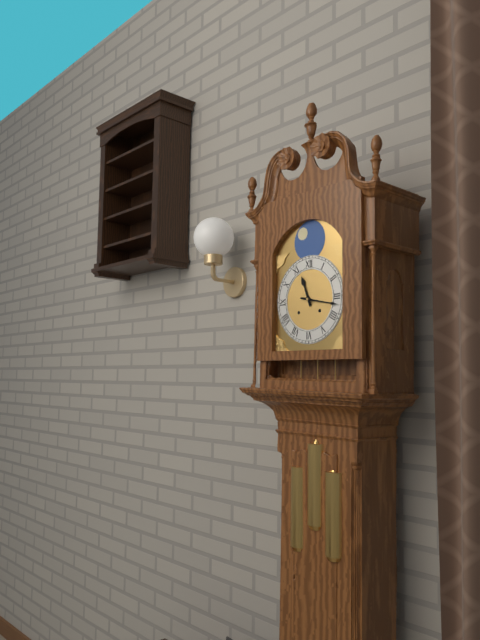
11:17
